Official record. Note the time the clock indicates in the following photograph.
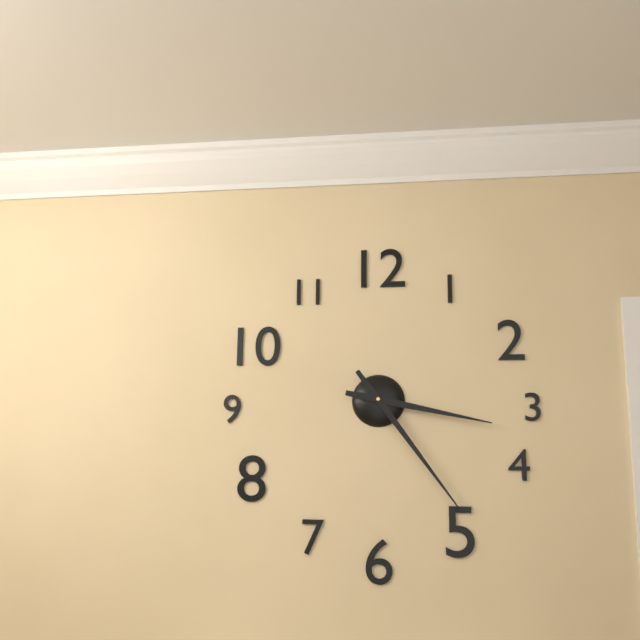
3:24
